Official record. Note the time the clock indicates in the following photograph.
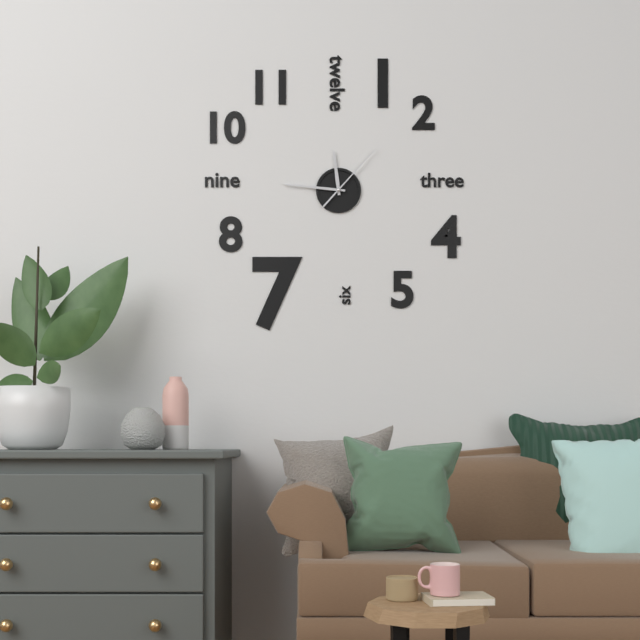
11:46:07
